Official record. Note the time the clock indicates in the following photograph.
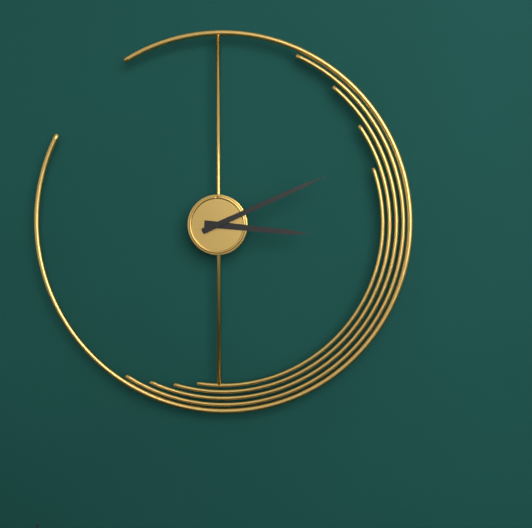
3:11
